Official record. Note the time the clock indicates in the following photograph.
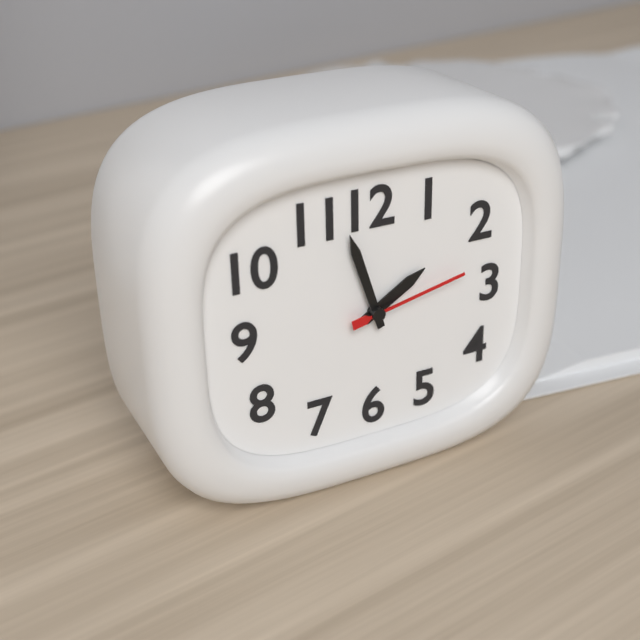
1:57:13
